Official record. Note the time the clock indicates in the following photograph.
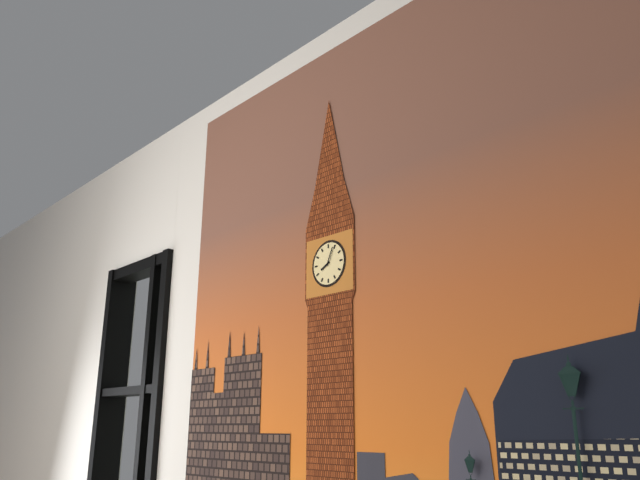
8:04
